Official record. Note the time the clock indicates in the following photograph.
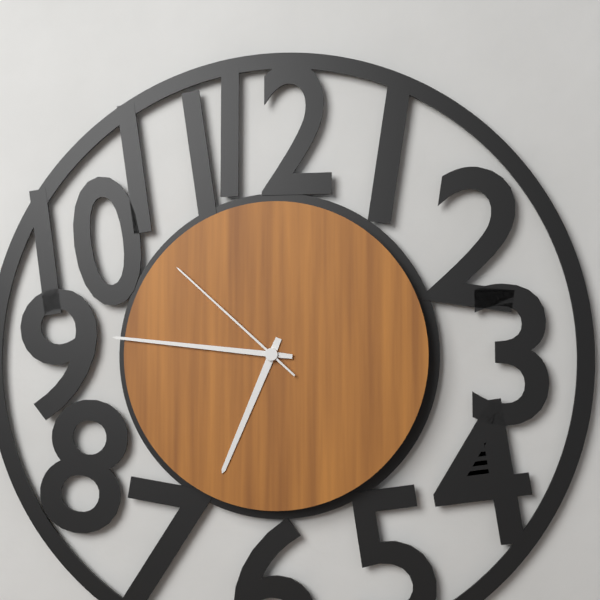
6:46:52
